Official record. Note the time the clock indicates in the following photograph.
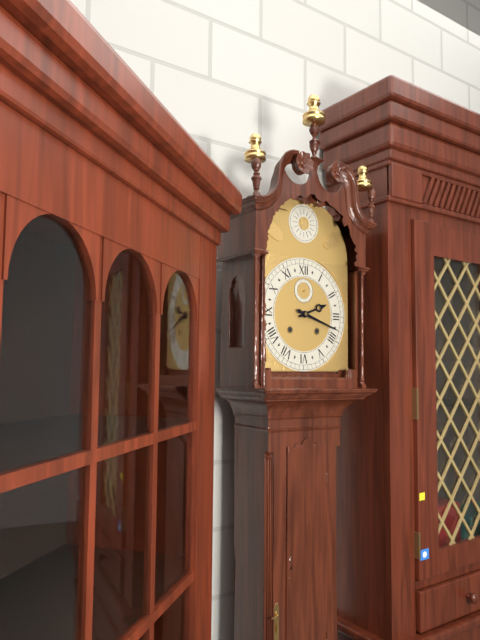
2:18
